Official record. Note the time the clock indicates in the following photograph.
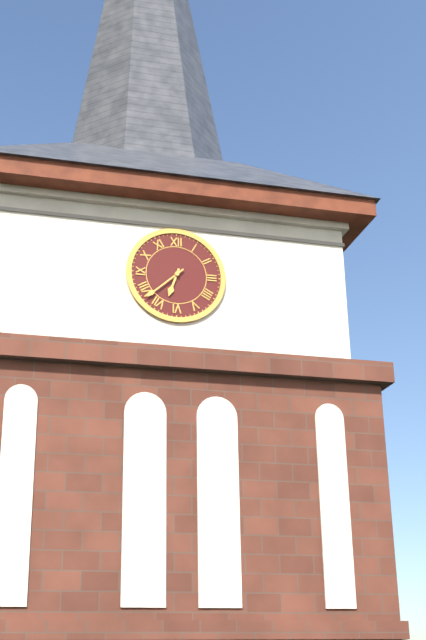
6:38
